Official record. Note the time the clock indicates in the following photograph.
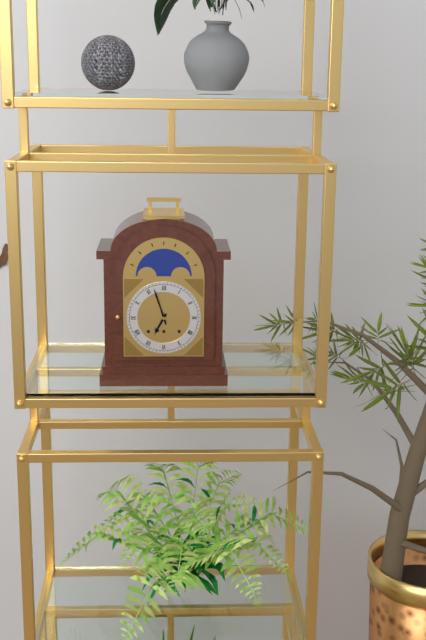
6:57
